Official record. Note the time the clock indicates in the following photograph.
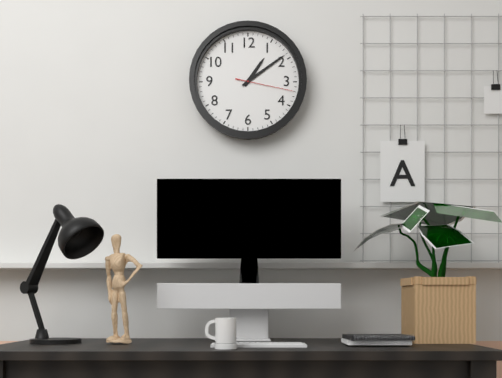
1:09:17
